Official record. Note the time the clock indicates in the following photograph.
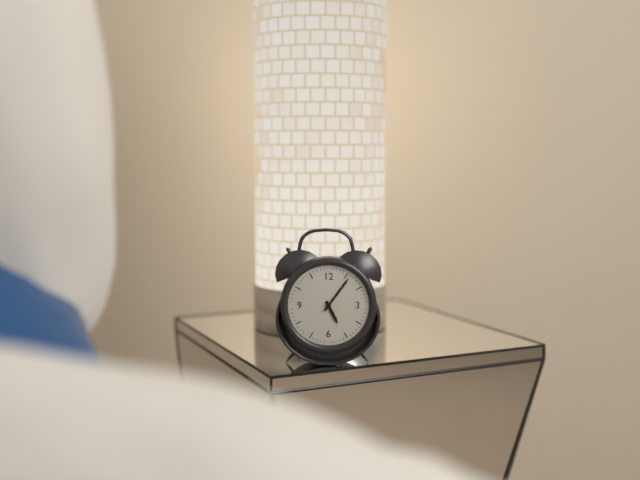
5:06
